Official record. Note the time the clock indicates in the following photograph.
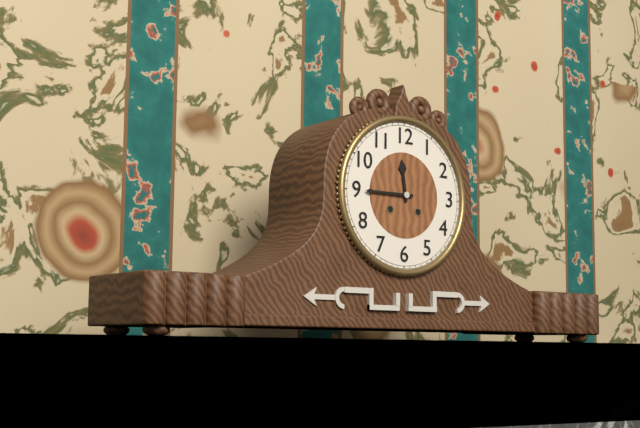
11:45
